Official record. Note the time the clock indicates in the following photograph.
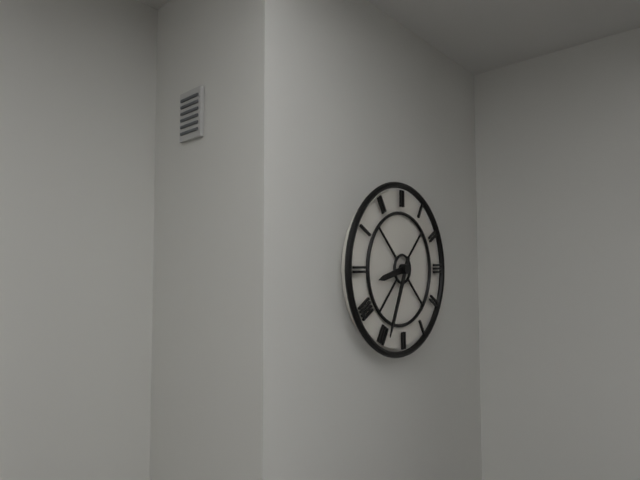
8:34
